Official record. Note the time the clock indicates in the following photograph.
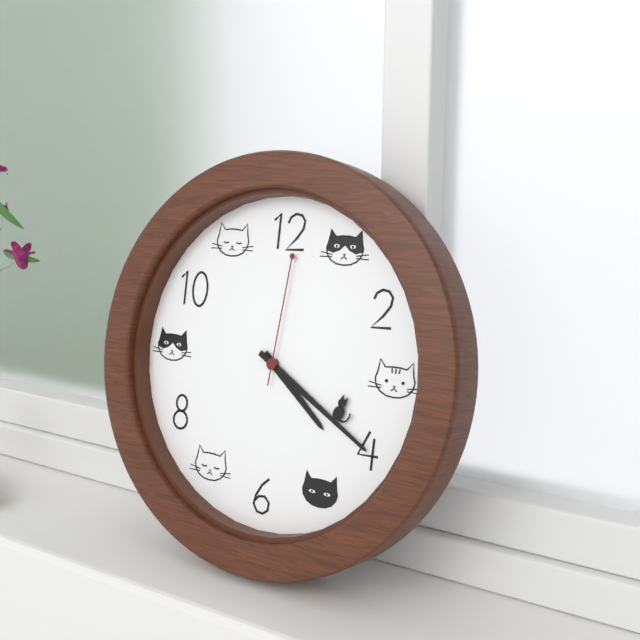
4:20:01
